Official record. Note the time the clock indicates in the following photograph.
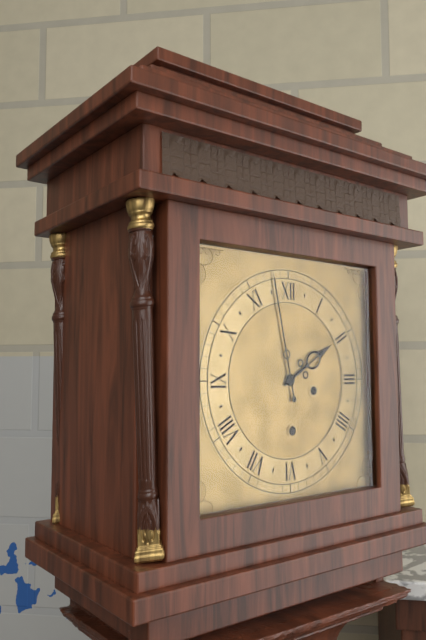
1:58
